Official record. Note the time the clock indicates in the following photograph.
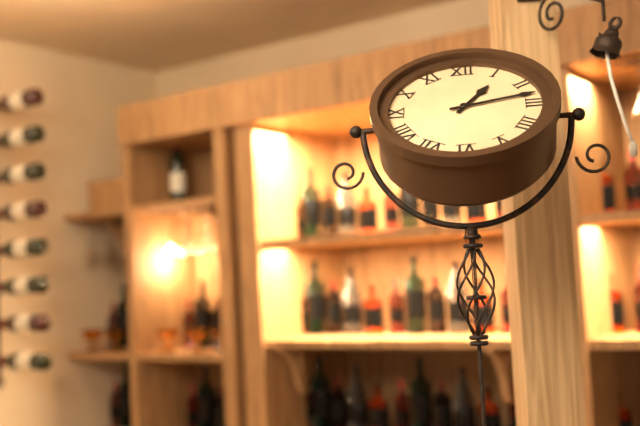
1:13
